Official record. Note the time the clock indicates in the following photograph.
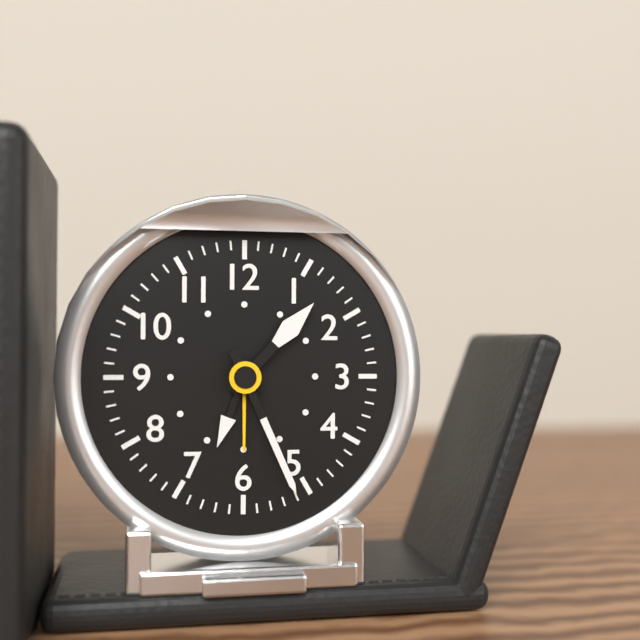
1:26
